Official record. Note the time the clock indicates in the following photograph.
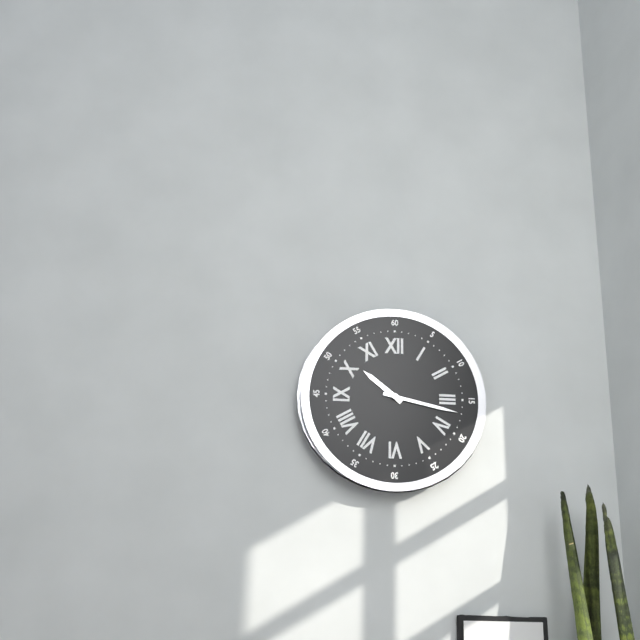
10:17
